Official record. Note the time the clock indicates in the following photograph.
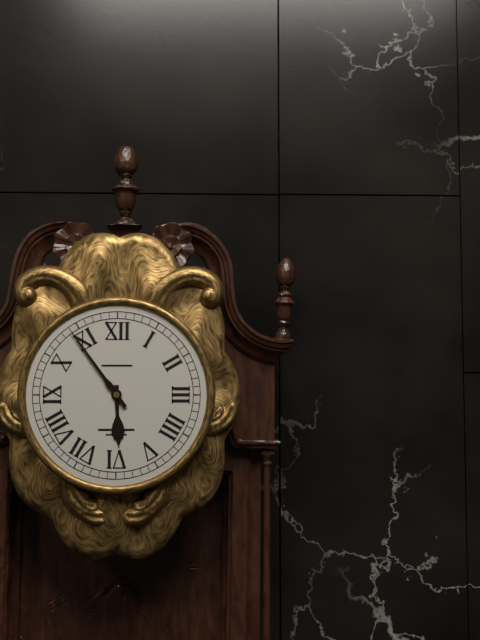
5:54
